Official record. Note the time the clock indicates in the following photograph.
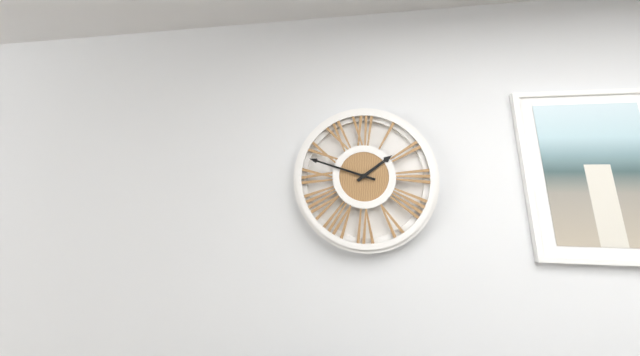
1:48
